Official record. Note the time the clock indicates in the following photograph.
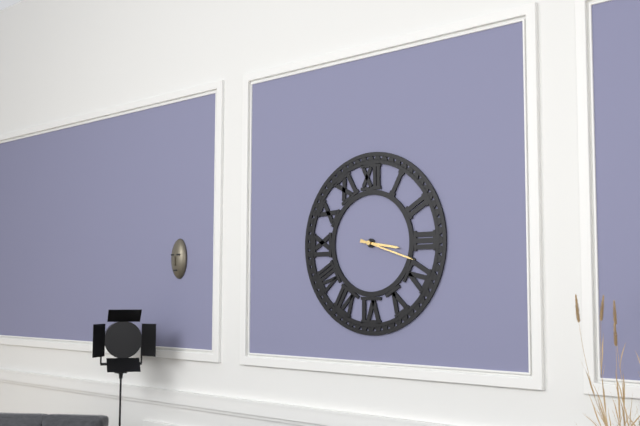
3:18
